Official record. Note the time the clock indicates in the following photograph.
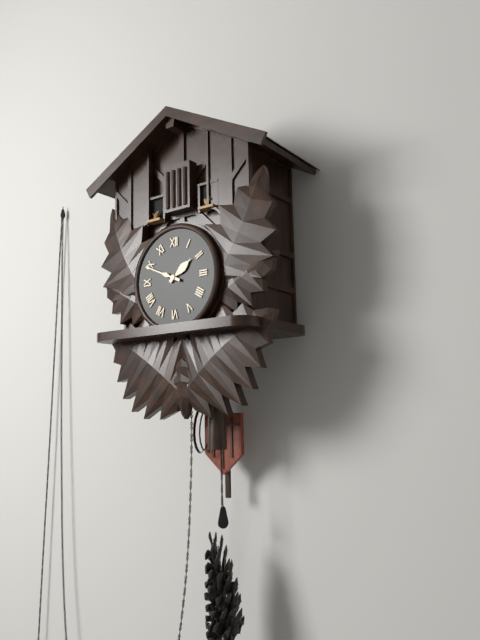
1:49
